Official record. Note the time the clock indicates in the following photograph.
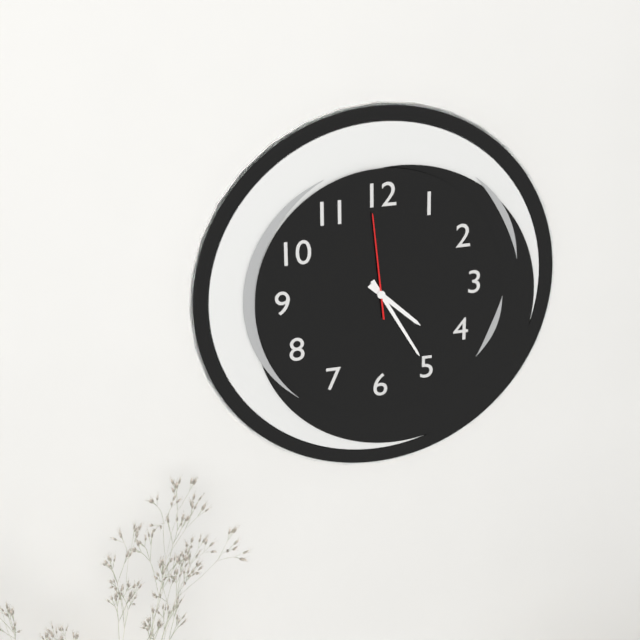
4:25:59
